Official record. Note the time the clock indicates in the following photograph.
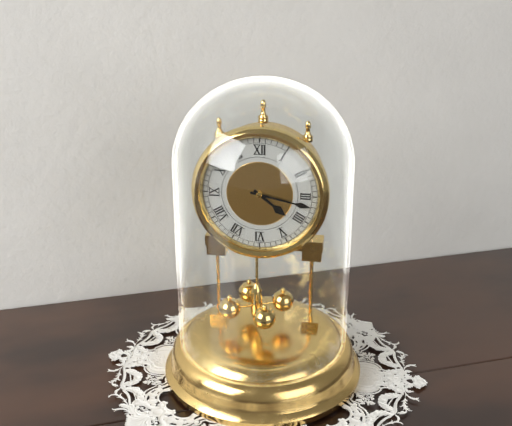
4:17
